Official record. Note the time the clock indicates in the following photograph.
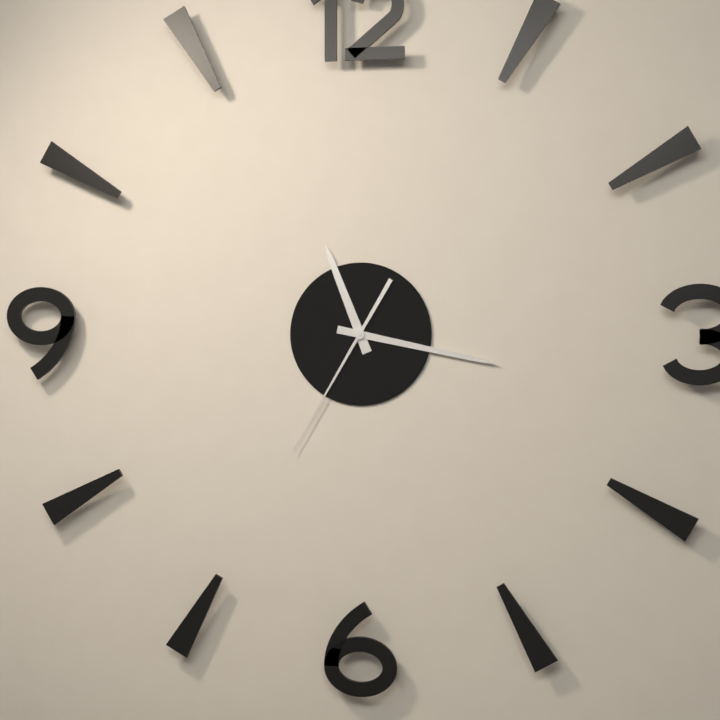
11:17:35
